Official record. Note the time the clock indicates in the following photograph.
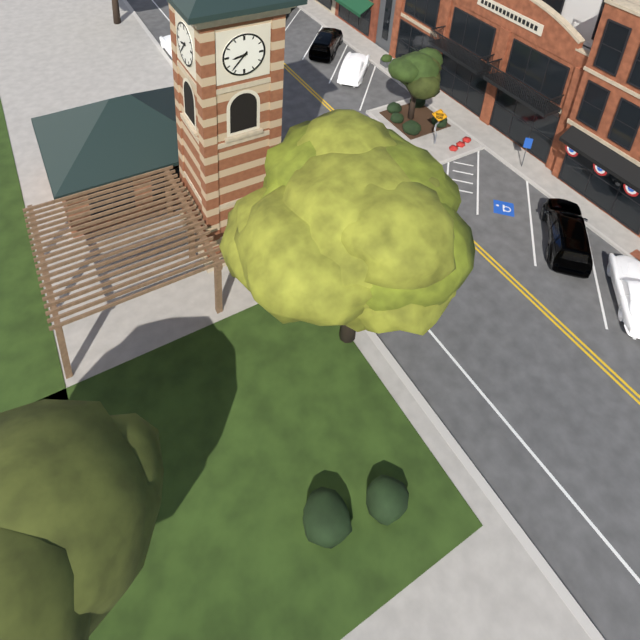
8:37
